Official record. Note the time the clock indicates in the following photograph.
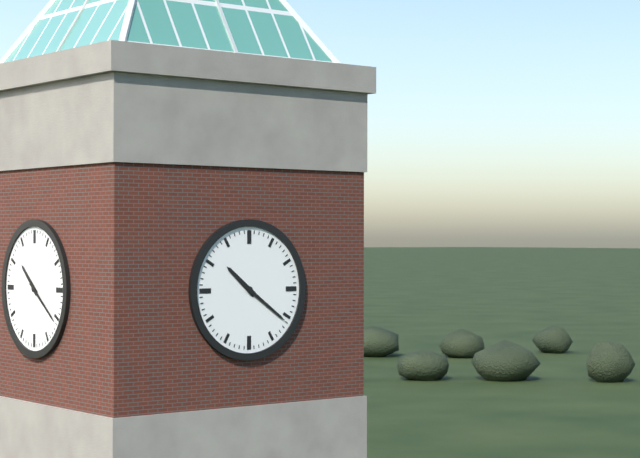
10:21
